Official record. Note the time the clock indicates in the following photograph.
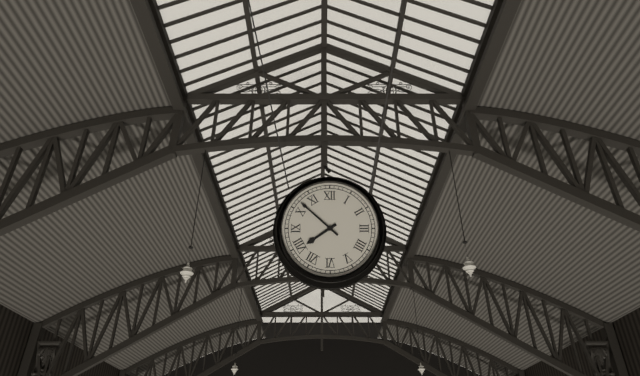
7:52
